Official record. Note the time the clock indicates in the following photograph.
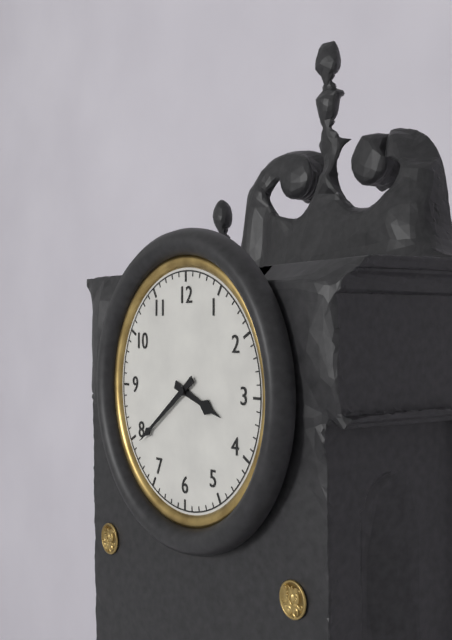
3:39
